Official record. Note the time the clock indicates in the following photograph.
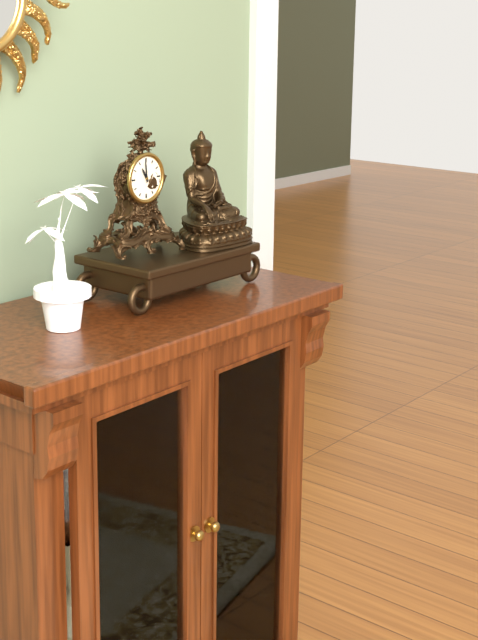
10:59
